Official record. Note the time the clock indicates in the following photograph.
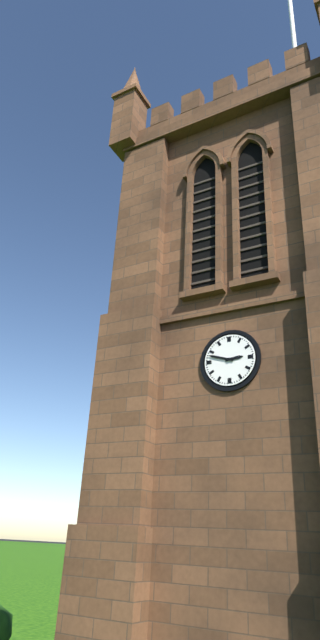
2:48
